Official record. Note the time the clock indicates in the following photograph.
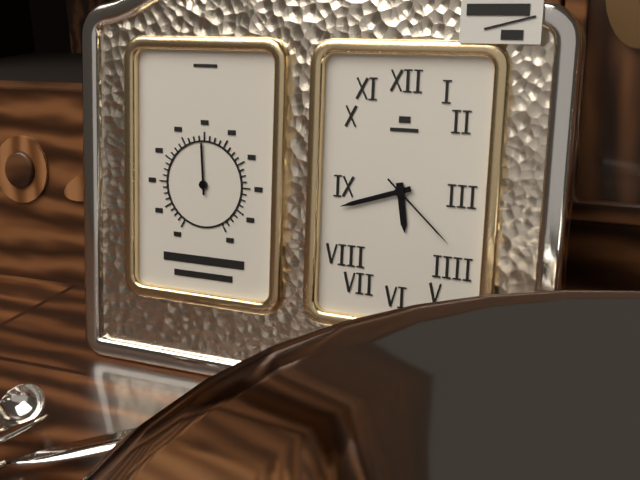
5:42:22
